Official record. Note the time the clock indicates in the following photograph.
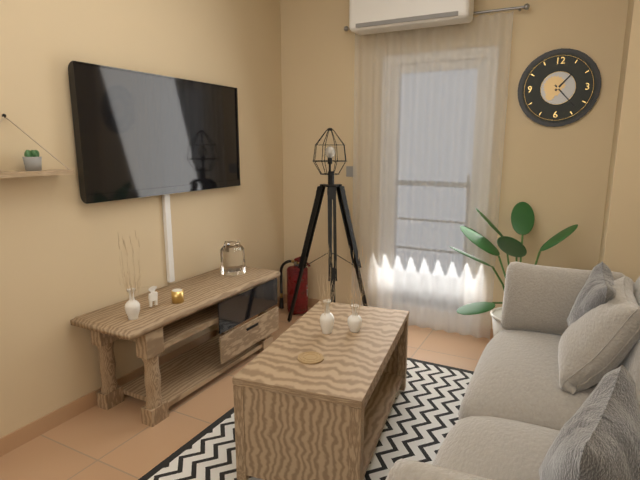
1:23
